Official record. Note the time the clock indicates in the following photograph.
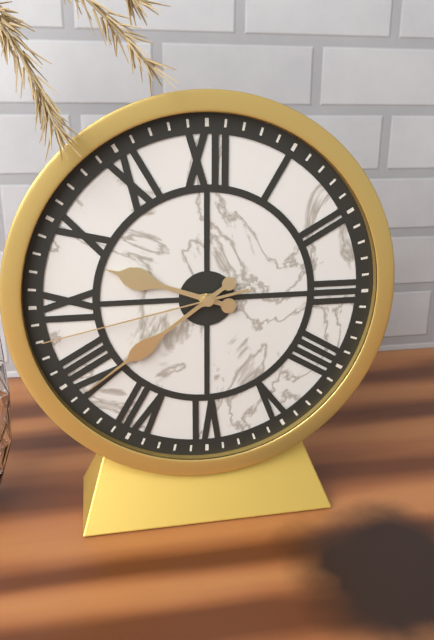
9:39:43
